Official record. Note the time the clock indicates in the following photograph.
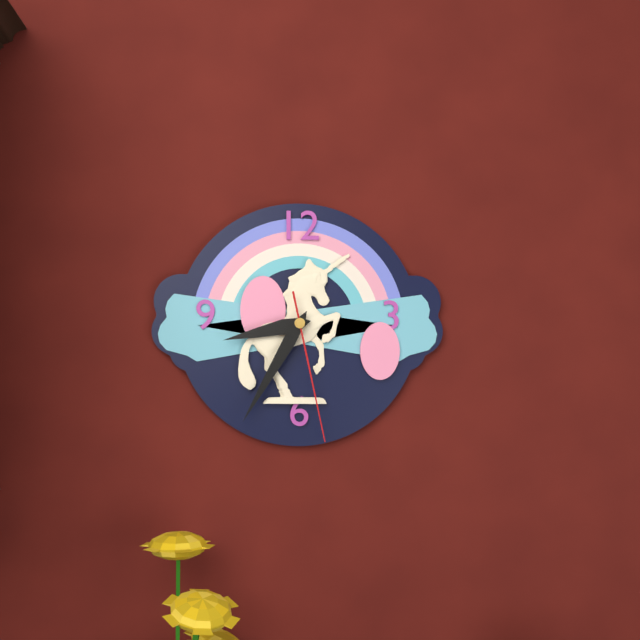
8:35:28
